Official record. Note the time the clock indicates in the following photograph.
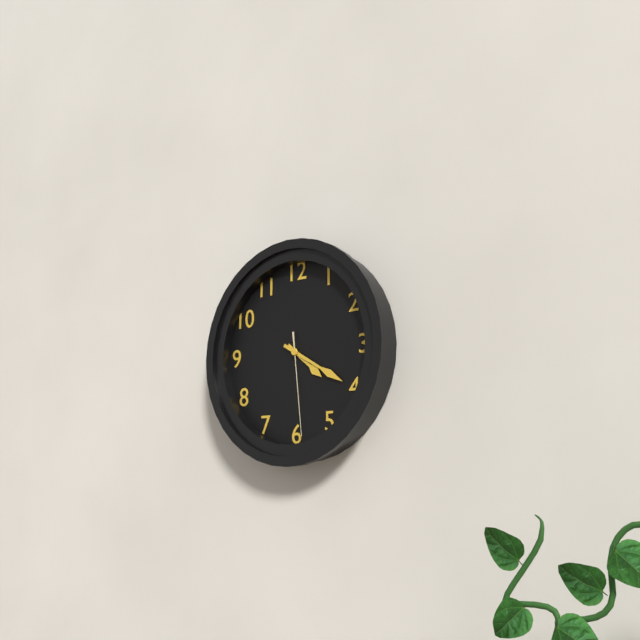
4:20:29
